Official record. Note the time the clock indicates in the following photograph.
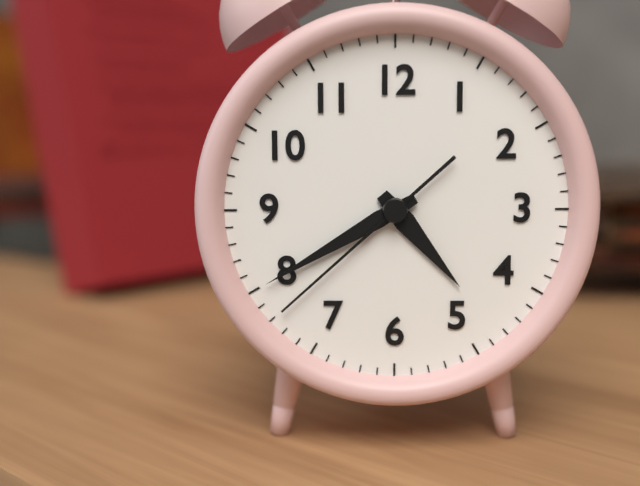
4:40:38
